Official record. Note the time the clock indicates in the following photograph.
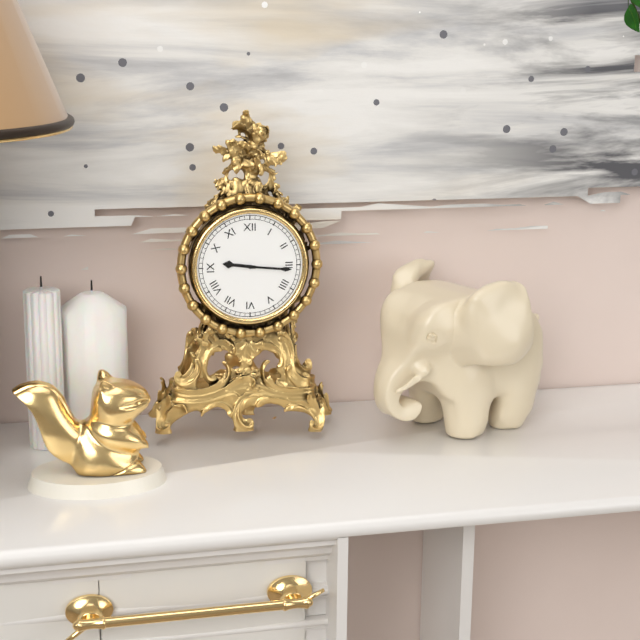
9:16
